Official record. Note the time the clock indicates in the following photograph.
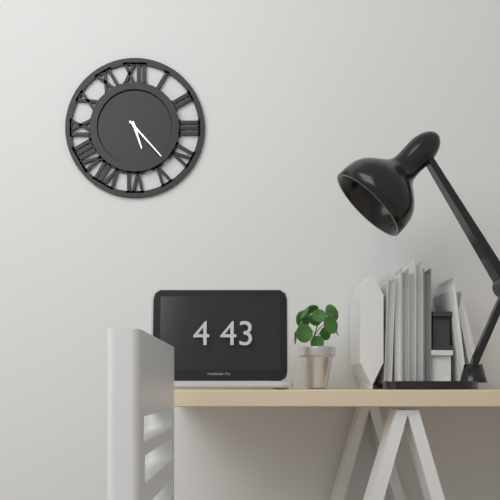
5:23
